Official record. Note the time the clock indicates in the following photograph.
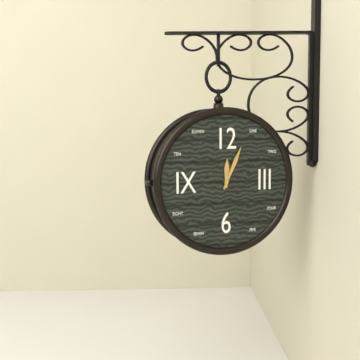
12:04
